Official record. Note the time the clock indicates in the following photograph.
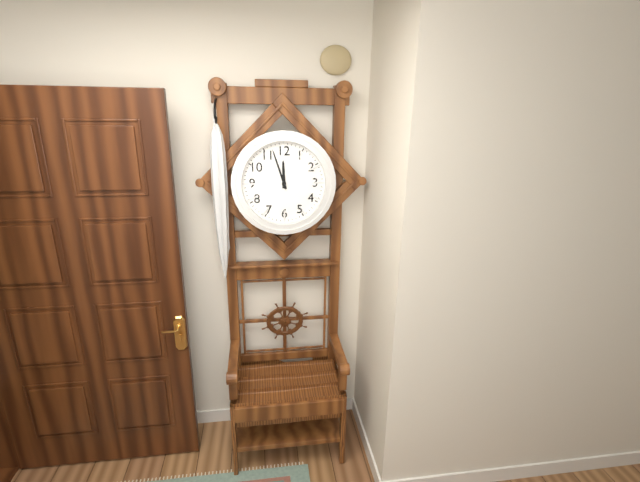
11:57
